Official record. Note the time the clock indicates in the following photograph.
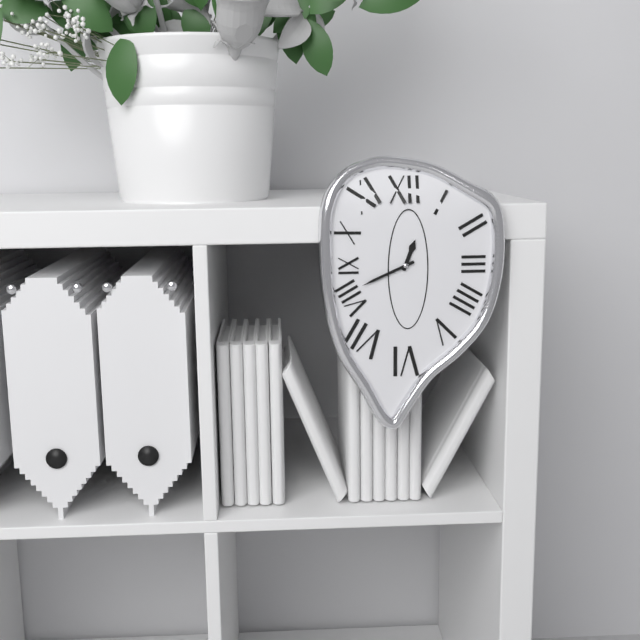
12:41
